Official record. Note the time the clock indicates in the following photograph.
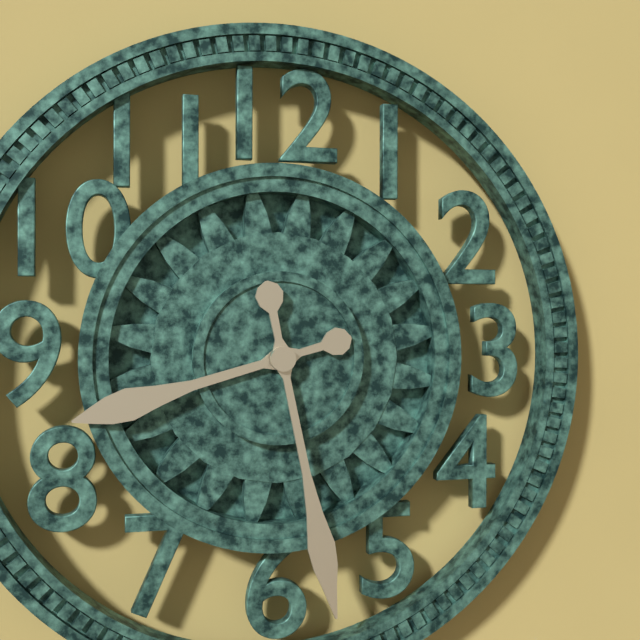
8:28
